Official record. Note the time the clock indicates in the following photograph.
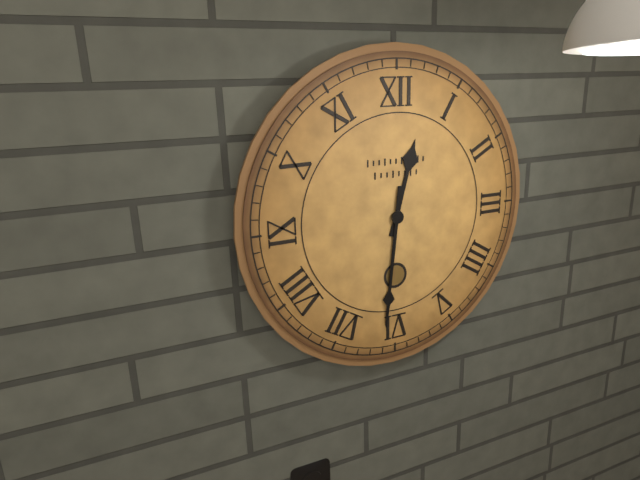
12:31
